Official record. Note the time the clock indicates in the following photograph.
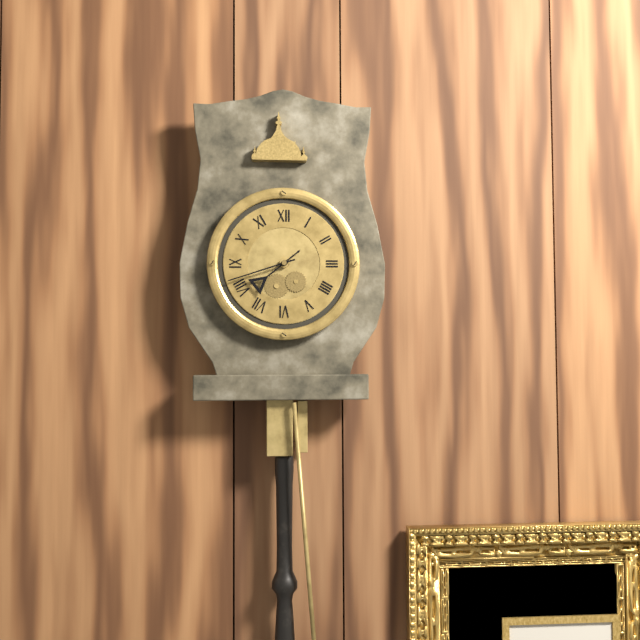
7:42
